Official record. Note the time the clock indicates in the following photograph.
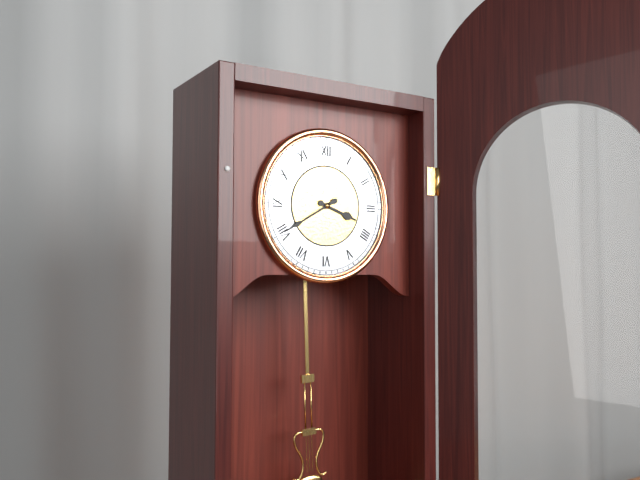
3:40
